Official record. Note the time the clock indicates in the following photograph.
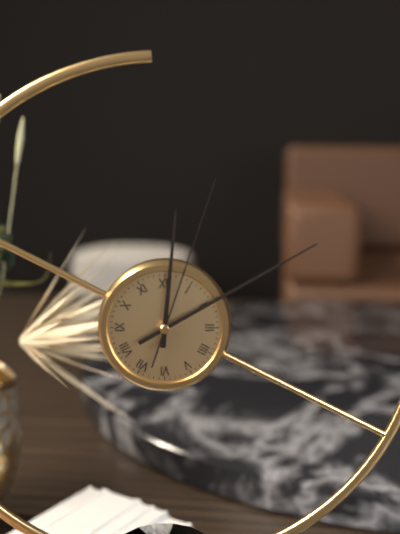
12:10:03
